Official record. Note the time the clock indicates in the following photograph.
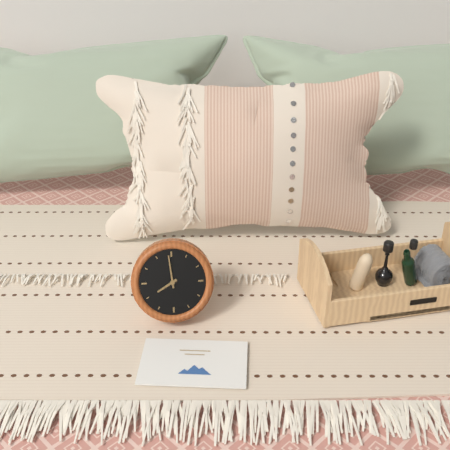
7:59
